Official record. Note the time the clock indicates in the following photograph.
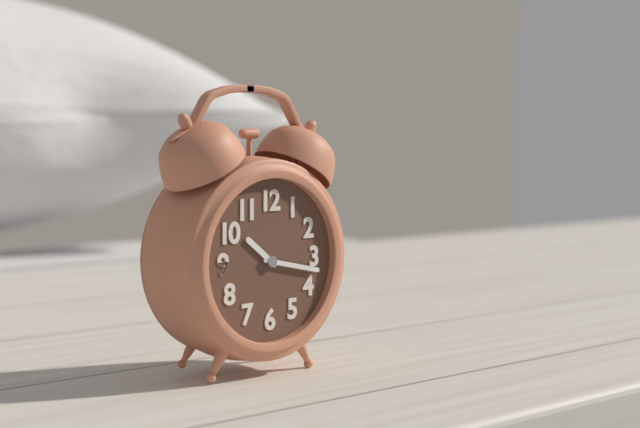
10:17
